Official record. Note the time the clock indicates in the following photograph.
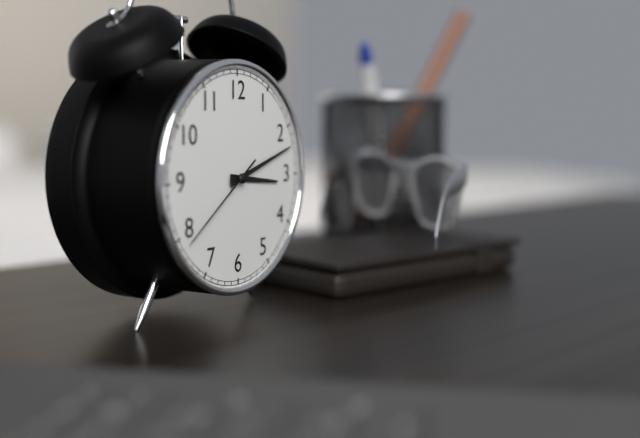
3:12:39
